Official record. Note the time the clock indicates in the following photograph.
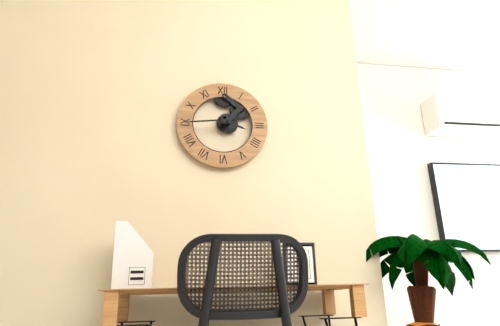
3:44
